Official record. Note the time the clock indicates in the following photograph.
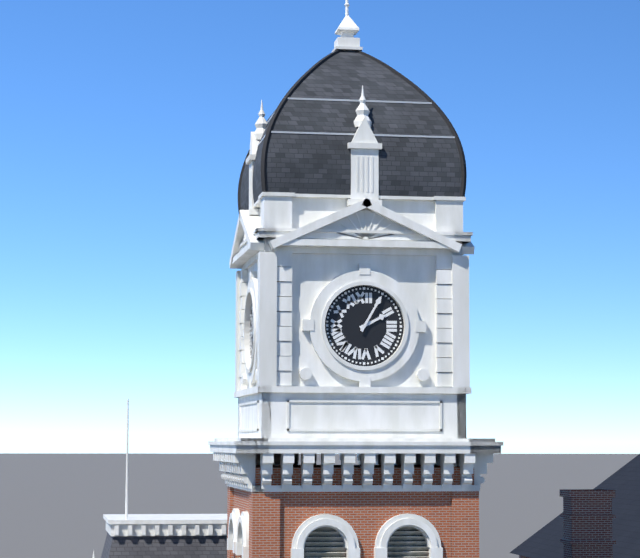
2:05
